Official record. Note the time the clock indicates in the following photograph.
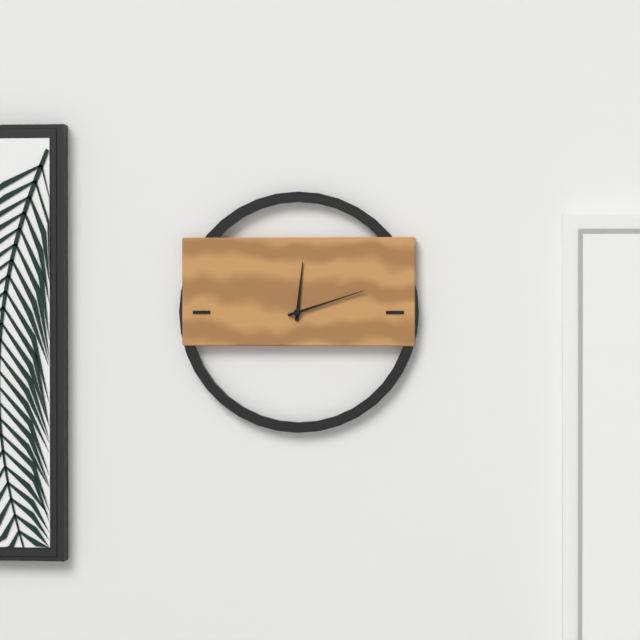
12:12
